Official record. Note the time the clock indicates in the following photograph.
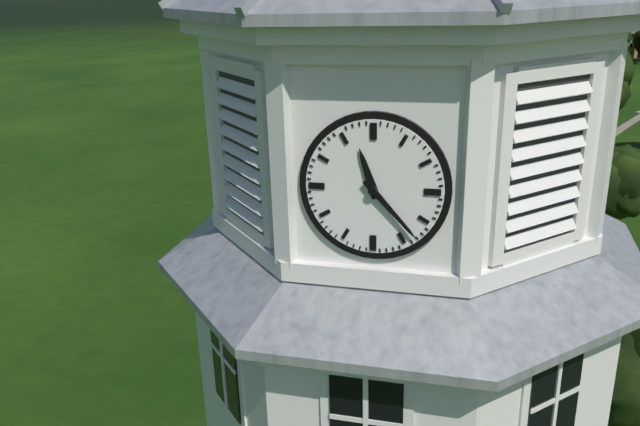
11:23
